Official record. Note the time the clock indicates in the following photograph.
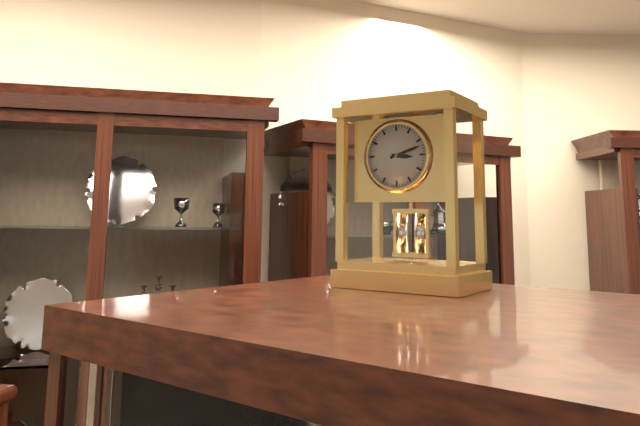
3:12
